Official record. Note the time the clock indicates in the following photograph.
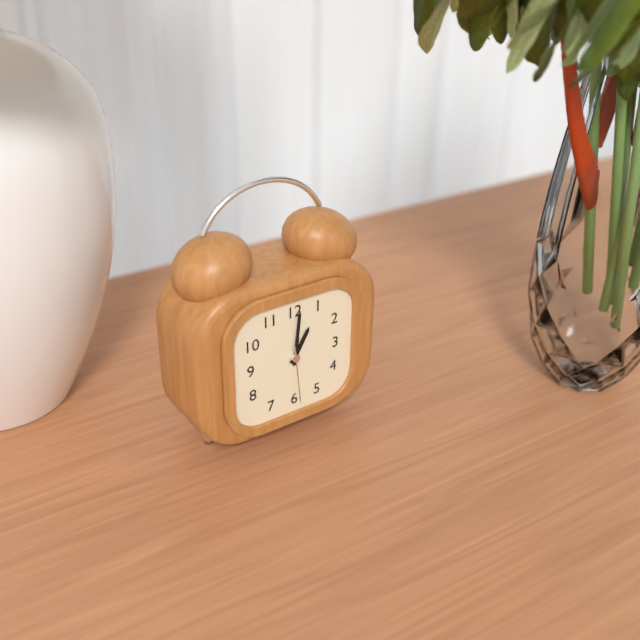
1:01:29
